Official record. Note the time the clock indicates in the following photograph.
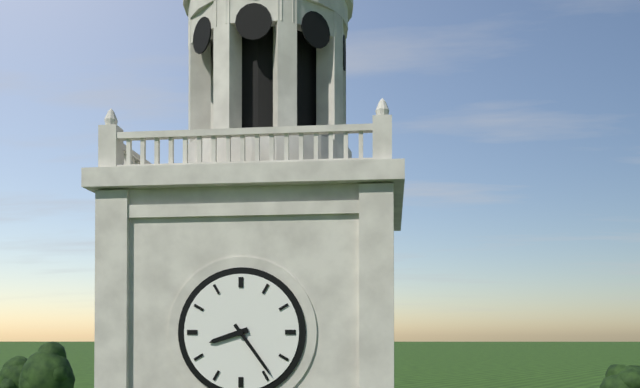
8:24
